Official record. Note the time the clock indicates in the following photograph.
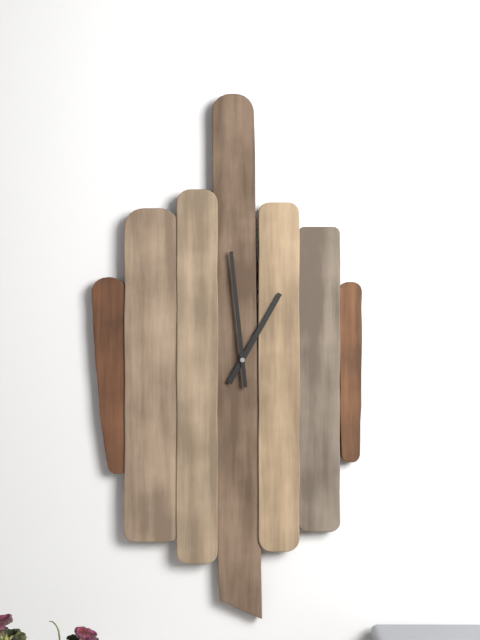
12:59
